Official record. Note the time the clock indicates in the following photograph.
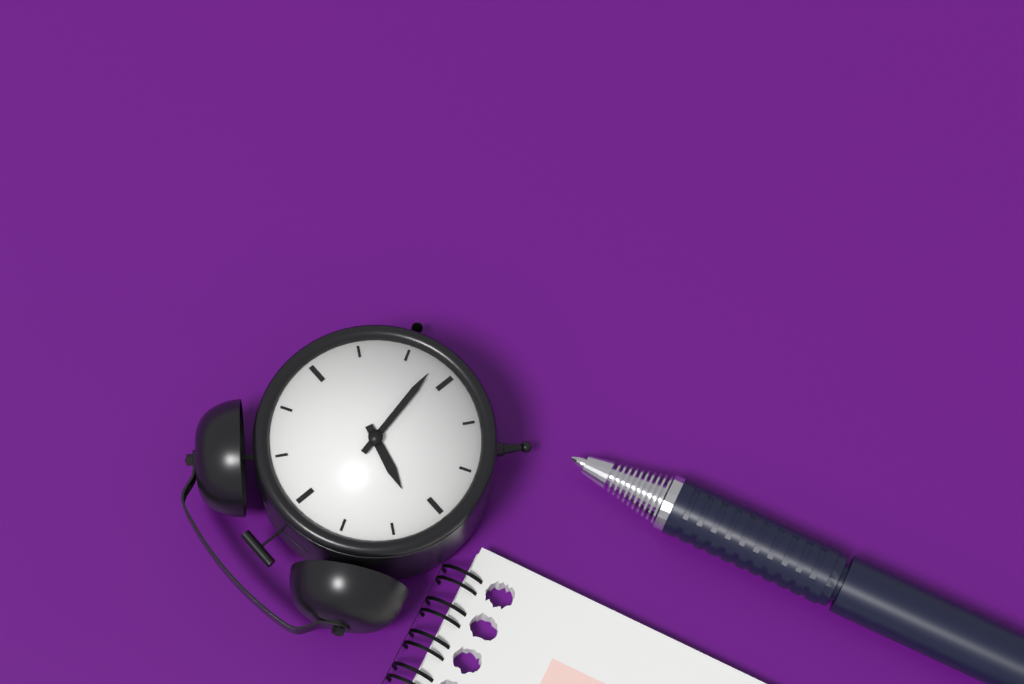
9:28
